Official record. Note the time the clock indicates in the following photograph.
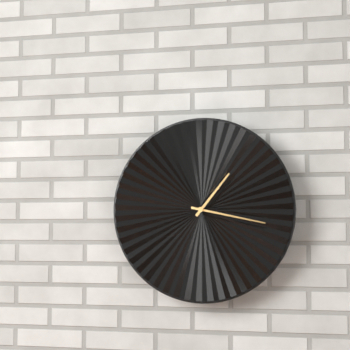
1:17
